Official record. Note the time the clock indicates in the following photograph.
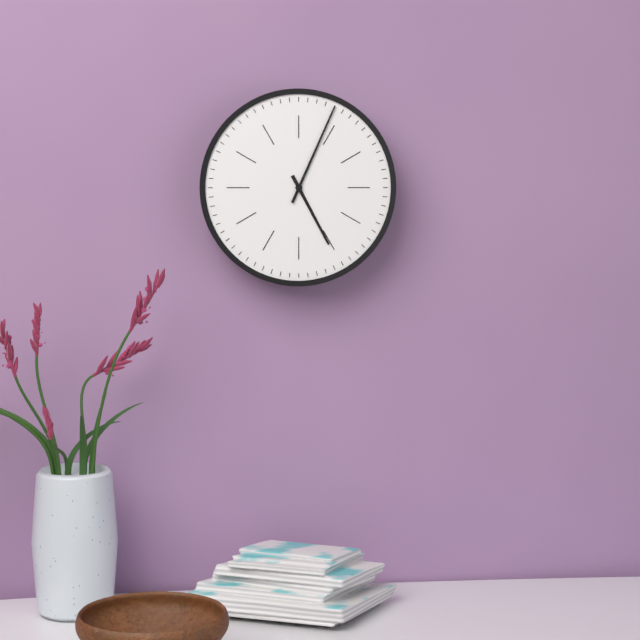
5:04
